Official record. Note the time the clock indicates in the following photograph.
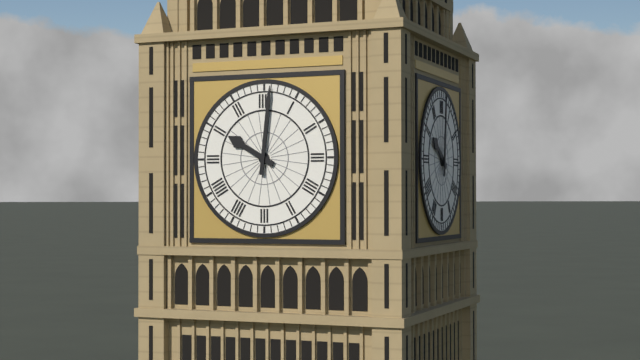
10:01
